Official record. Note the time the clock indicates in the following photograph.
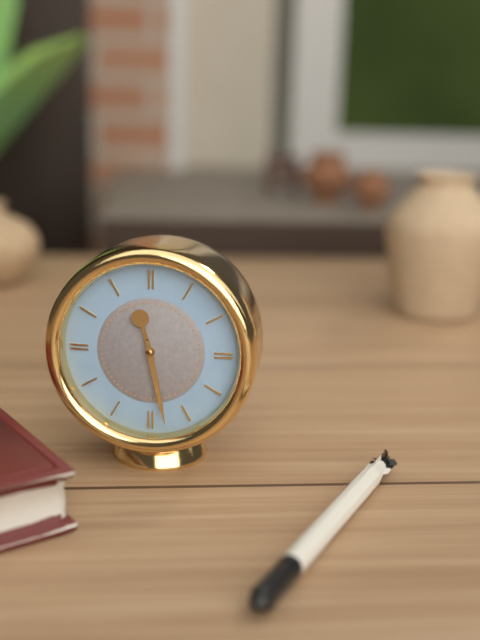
11:28
